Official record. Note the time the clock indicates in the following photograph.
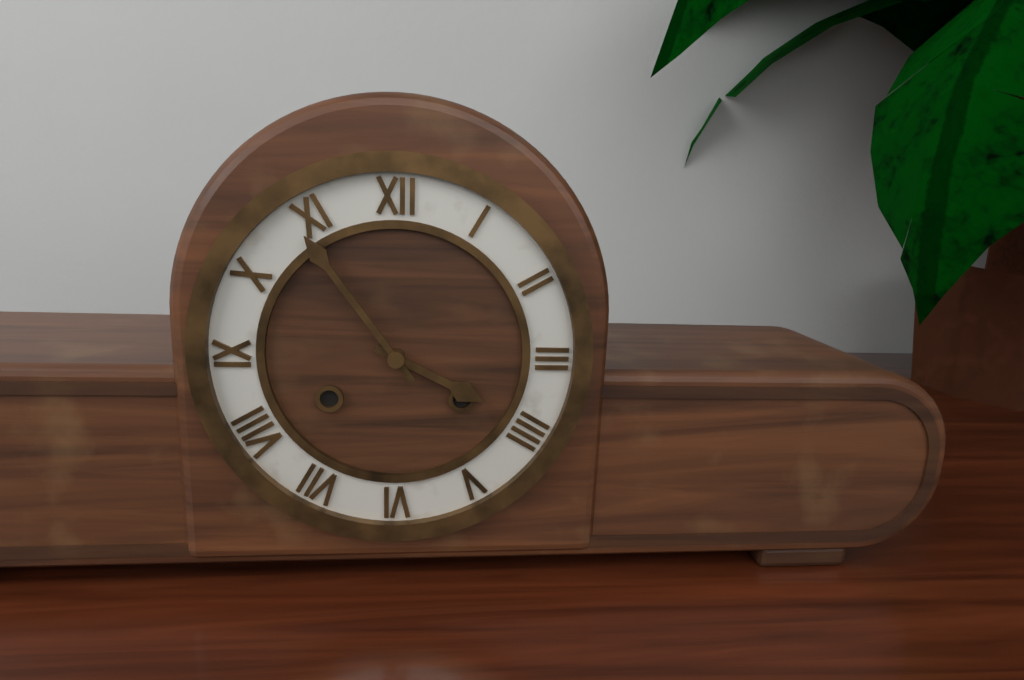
3:54
